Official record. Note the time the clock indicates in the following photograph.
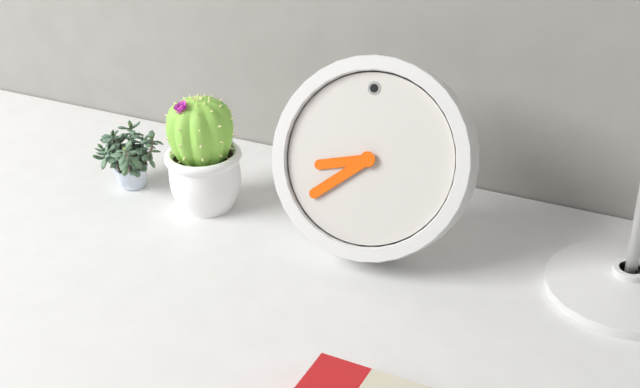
8:39
